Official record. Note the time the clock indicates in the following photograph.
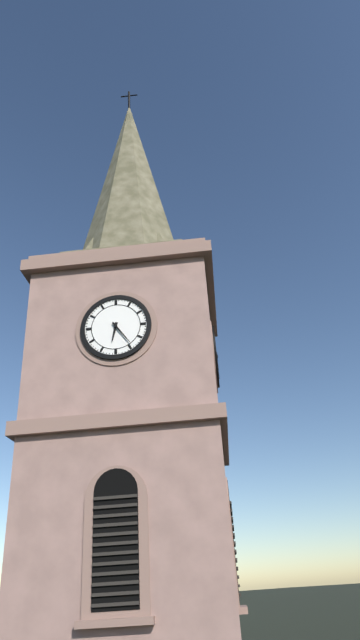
6:24
